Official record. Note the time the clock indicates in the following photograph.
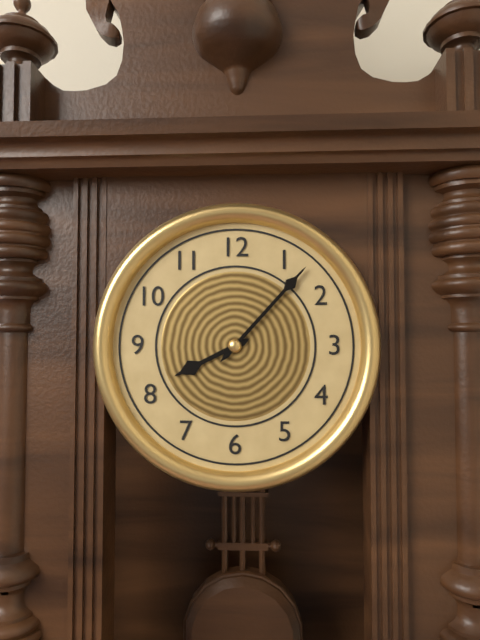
8:07
